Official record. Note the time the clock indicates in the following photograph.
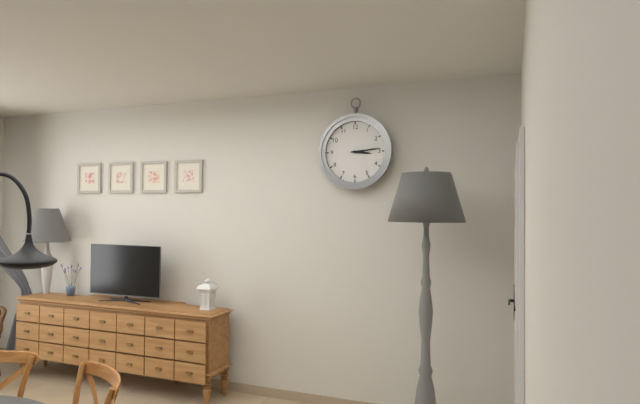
3:14
